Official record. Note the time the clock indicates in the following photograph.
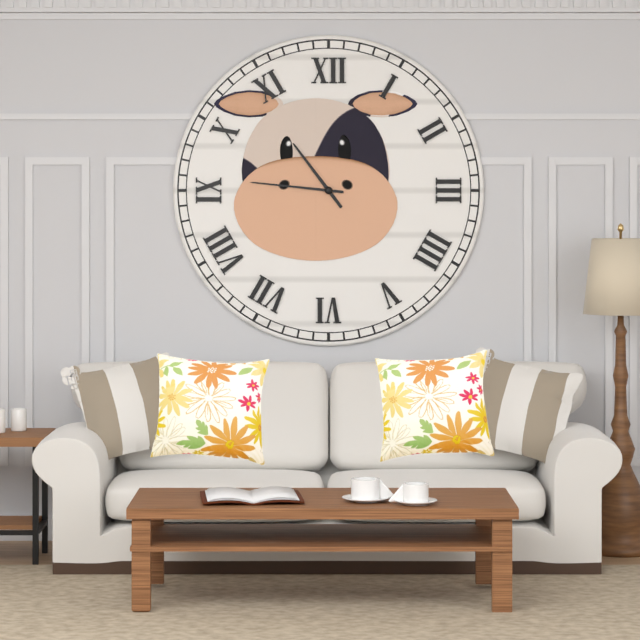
10:46
